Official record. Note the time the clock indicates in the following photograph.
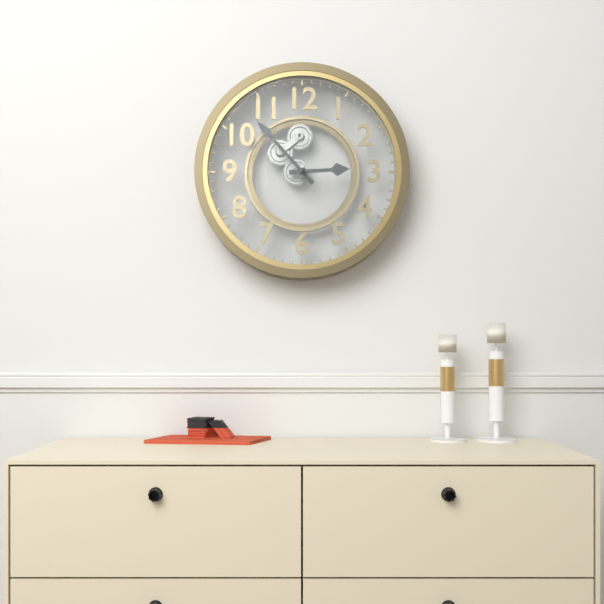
2:53
